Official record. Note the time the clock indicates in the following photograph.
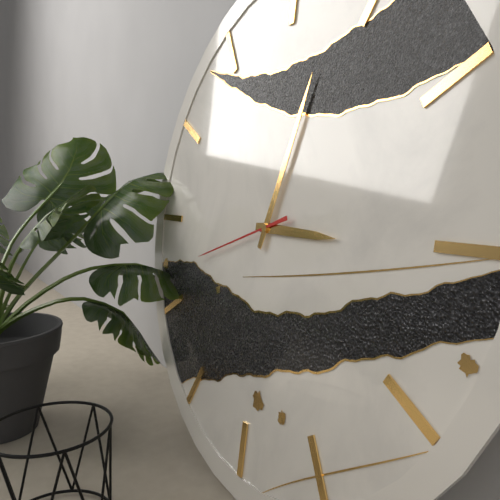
3:03:42
